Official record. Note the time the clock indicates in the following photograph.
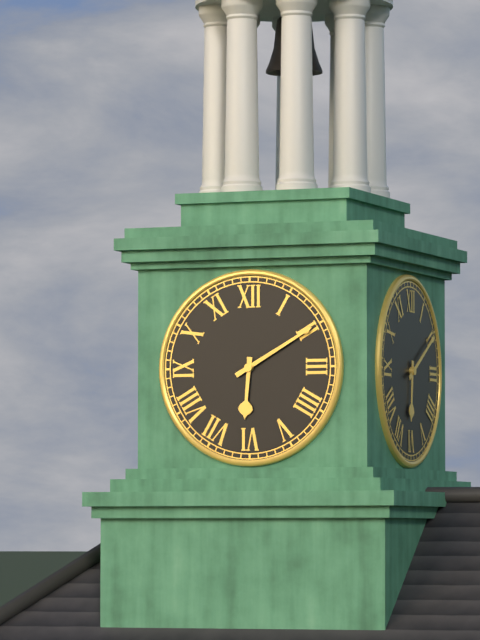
6:10
